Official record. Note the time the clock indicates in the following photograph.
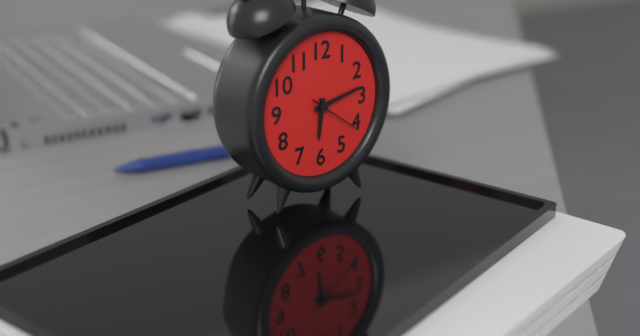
6:13:21
